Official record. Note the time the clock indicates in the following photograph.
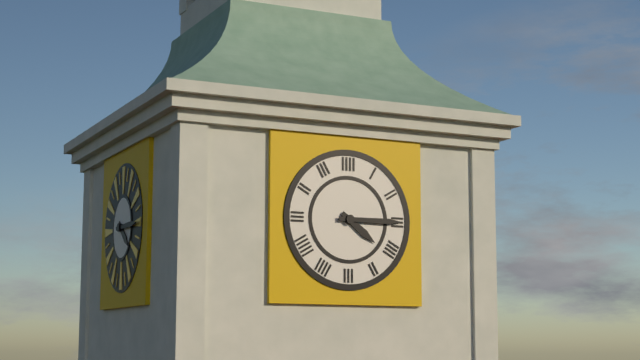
4:15
